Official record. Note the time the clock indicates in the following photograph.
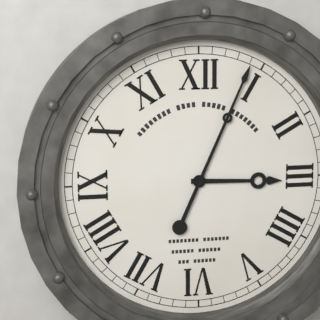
3:04
